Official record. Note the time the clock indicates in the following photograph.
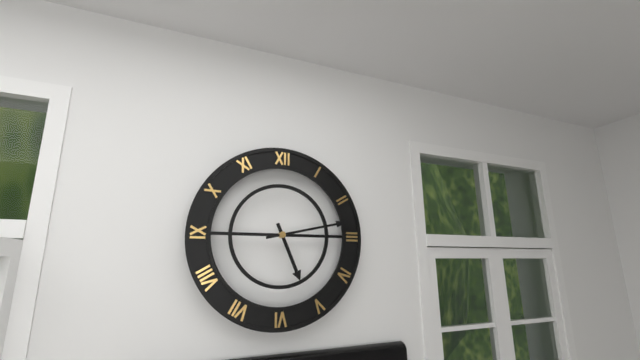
5:13
